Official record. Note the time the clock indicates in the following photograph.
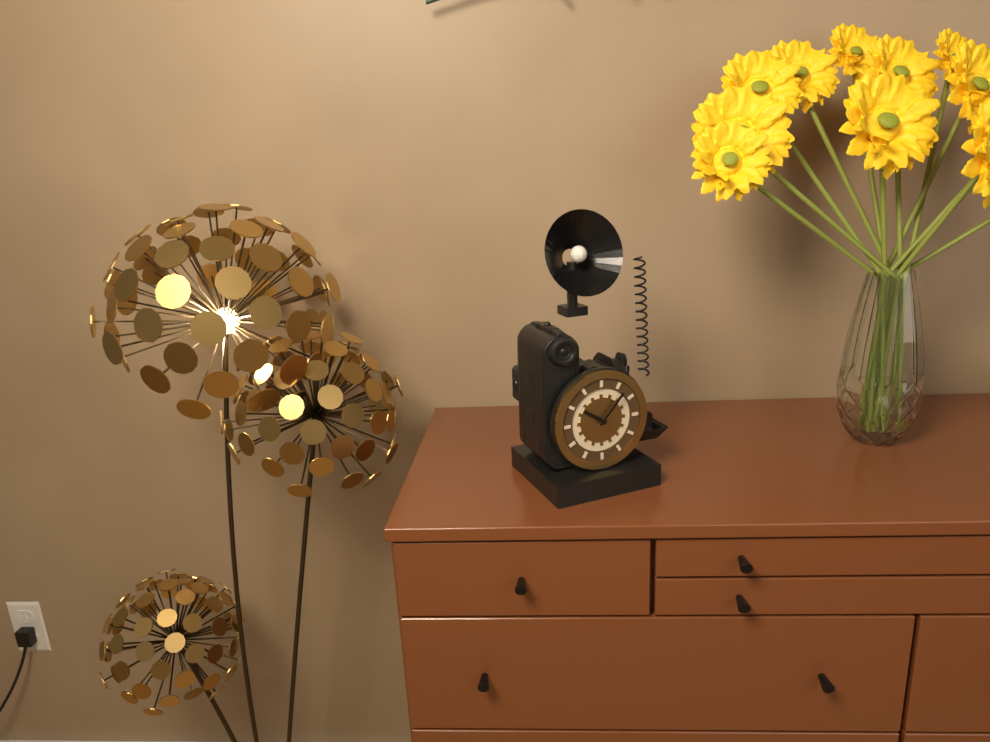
10:07
